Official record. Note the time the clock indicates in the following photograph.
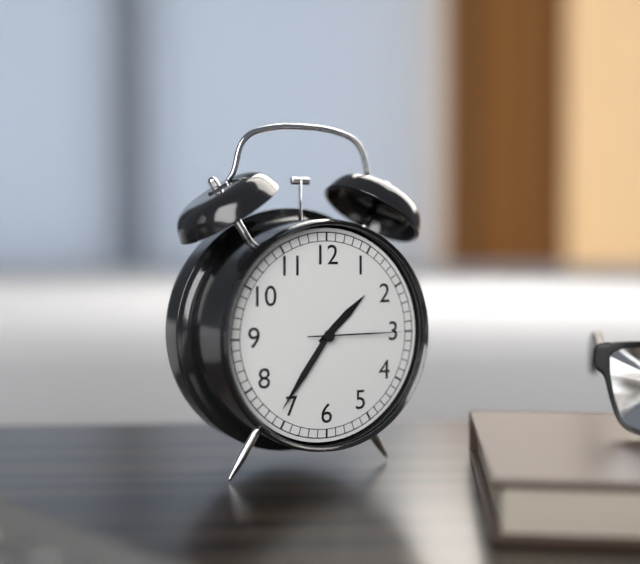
1:36:15
